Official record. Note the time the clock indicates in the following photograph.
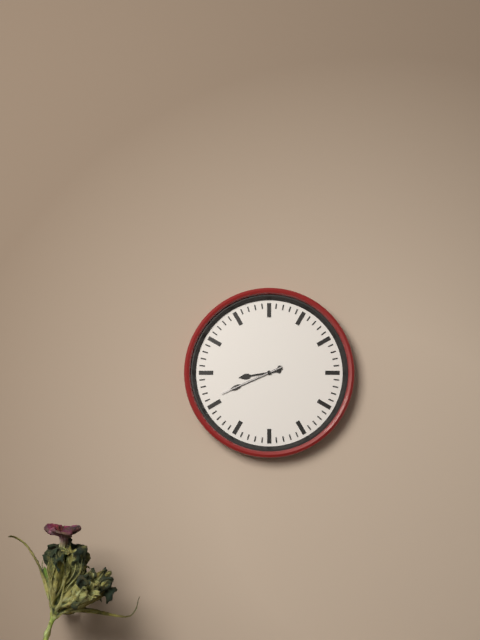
8:41:41
